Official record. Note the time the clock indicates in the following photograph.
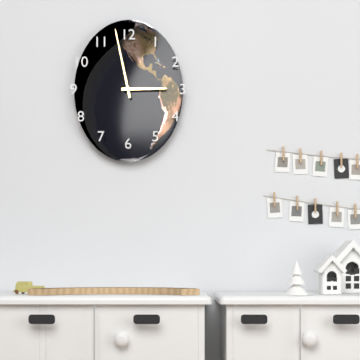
2:58
